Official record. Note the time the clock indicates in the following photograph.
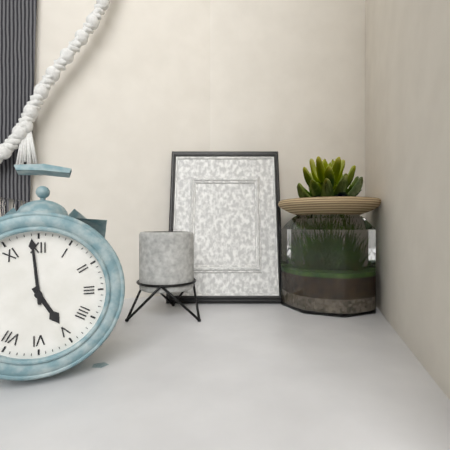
4:59
